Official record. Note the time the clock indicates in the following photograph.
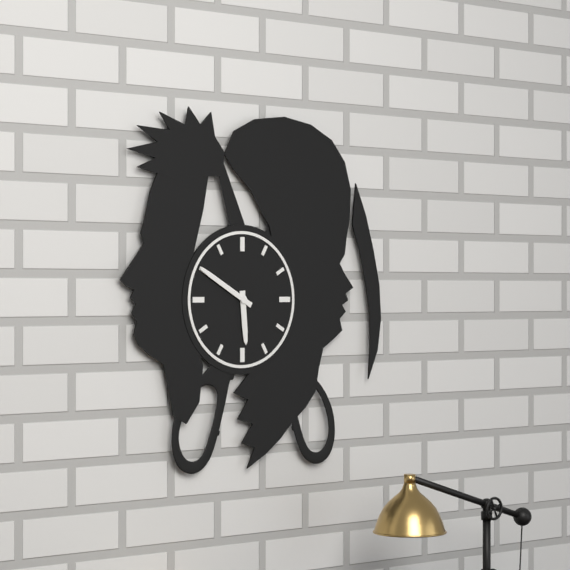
5:50
